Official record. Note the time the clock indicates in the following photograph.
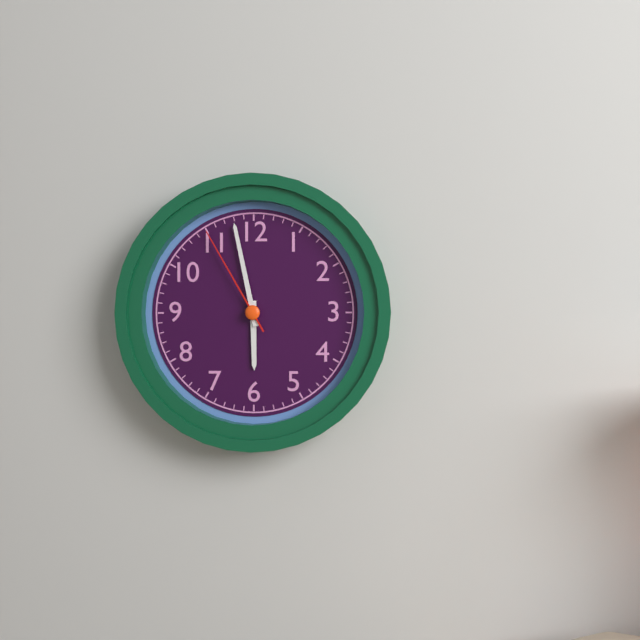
5:58:55
